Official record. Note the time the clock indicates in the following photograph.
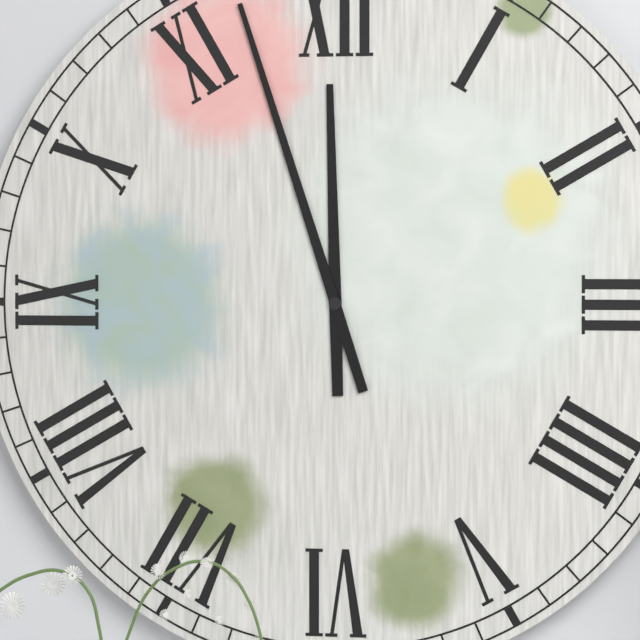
11:57
